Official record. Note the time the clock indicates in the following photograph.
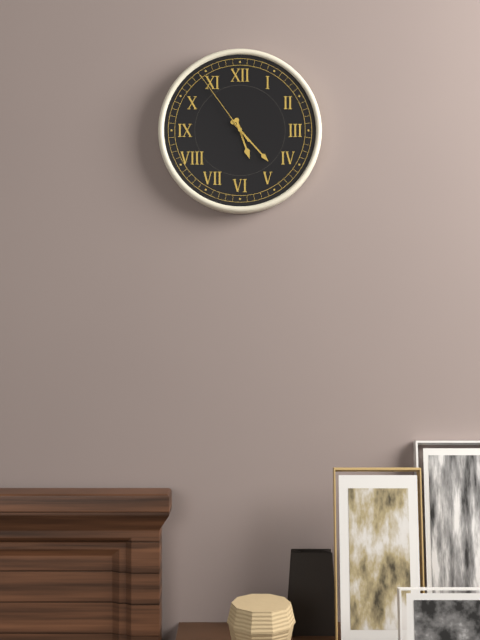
5:23:54
